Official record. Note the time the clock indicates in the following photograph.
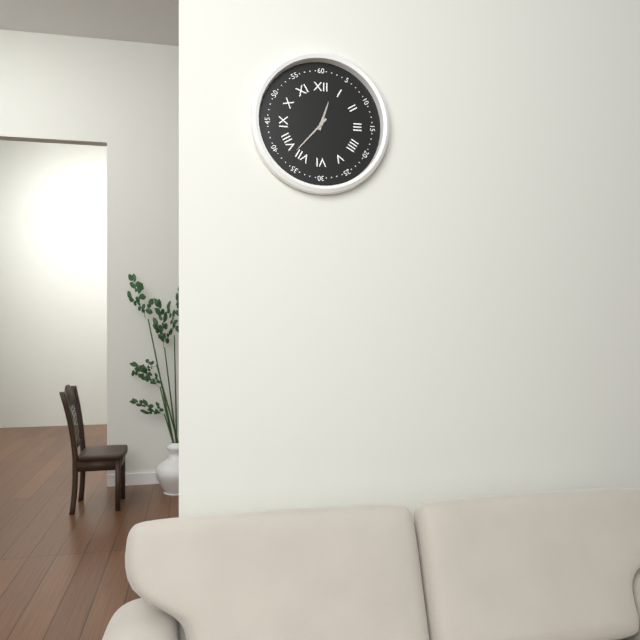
12:37
